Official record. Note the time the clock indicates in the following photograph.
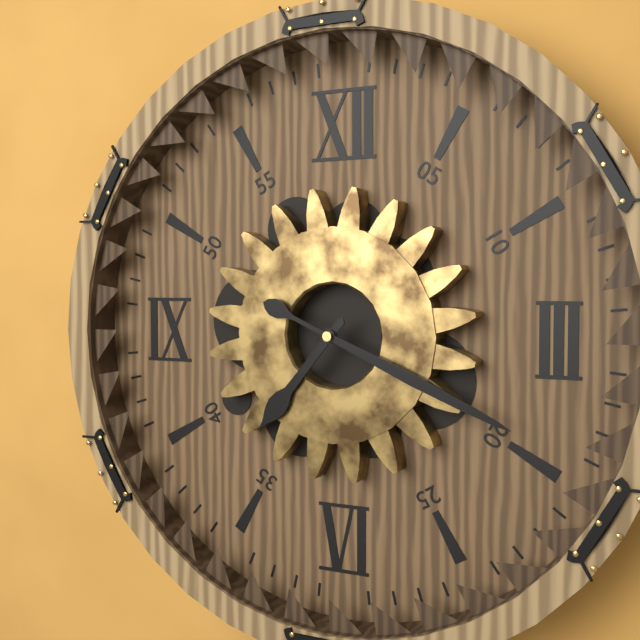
7:19
